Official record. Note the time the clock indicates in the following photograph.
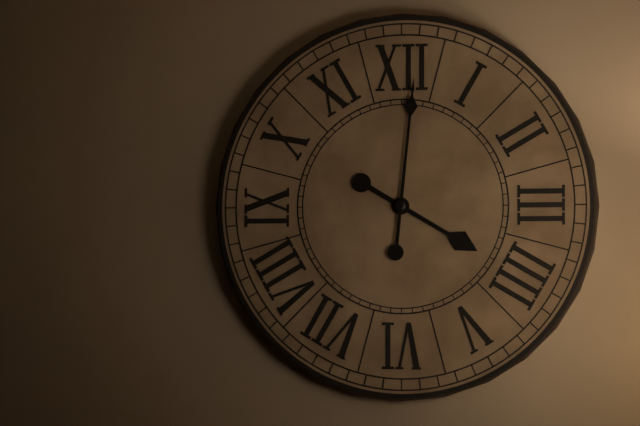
4:01
